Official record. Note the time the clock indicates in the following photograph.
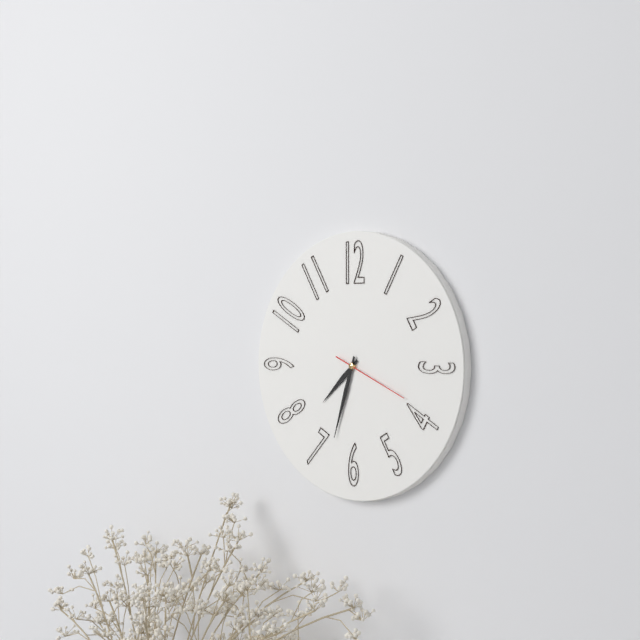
7:33:19
